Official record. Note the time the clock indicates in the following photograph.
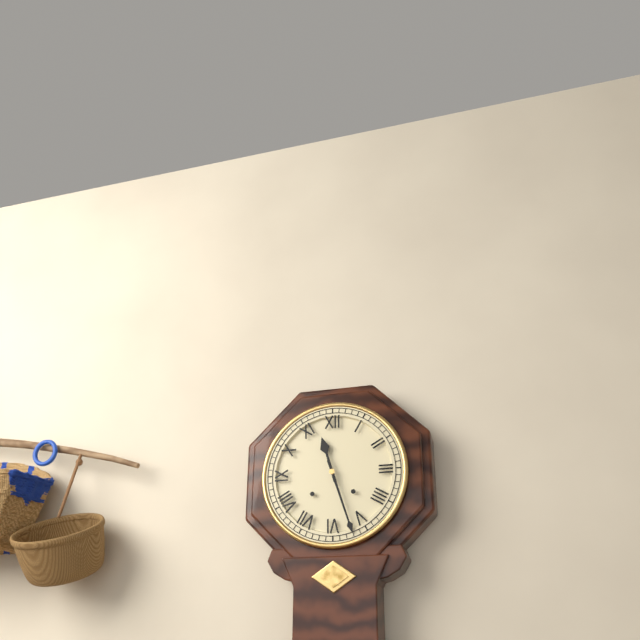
11:27
